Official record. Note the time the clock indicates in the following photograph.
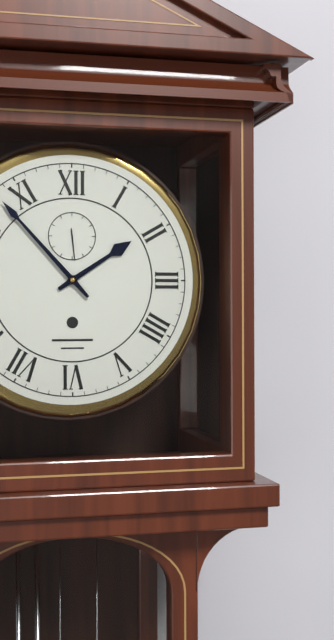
1:53
